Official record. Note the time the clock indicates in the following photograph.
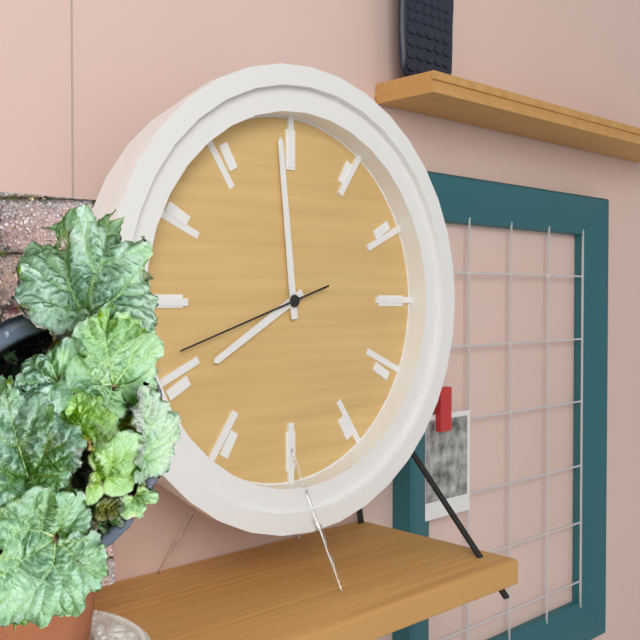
7:59:42
